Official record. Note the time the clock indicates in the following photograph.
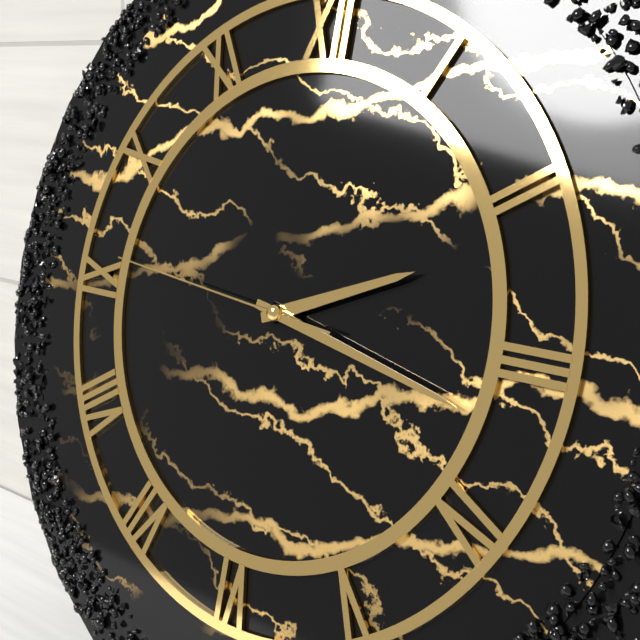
2:17:46
